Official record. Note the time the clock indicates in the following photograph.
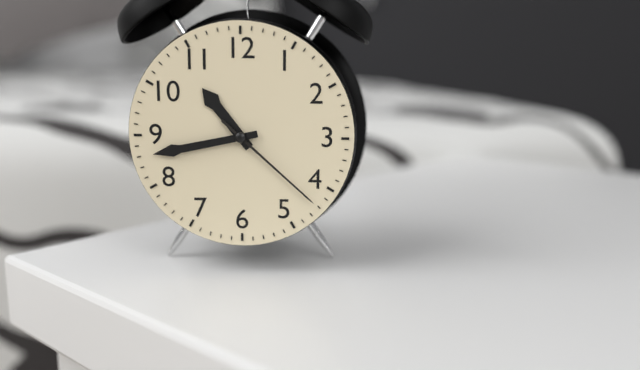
10:43:22
